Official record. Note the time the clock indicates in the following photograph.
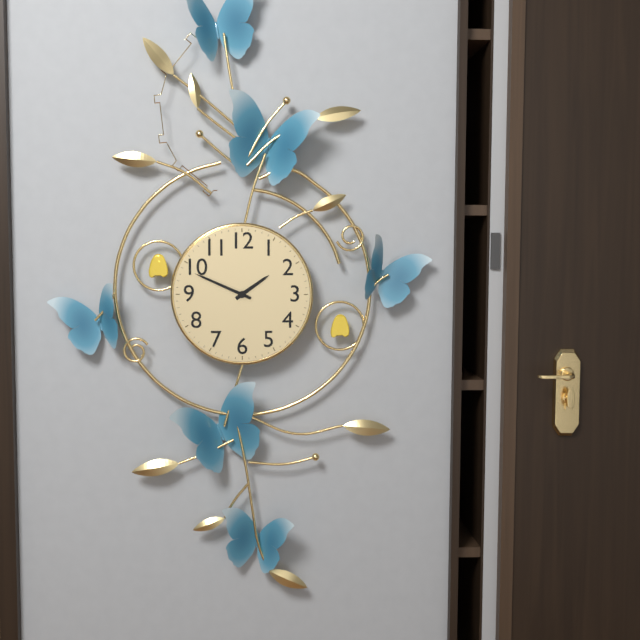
1:49
